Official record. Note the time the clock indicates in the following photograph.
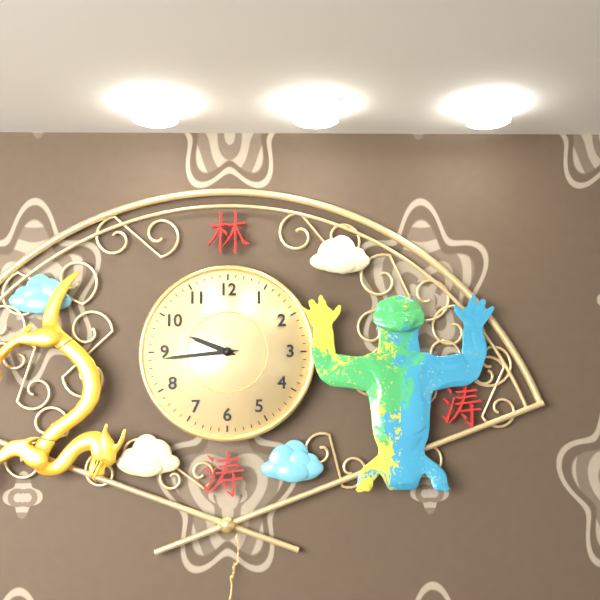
9:44
